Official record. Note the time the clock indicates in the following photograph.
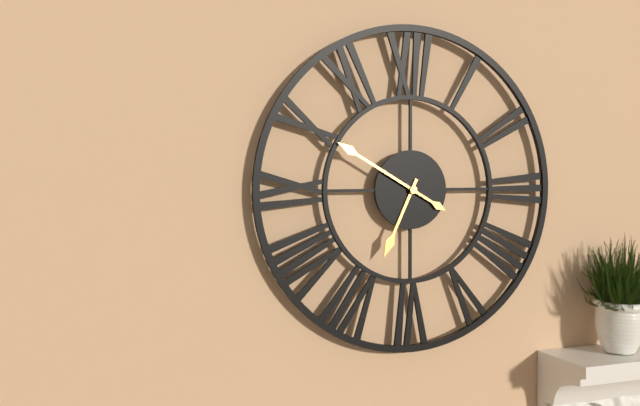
6:50
